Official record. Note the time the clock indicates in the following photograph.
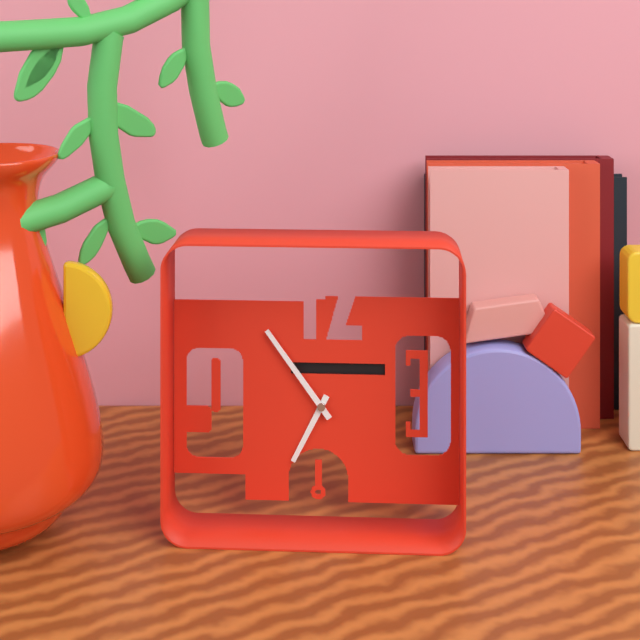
6:54
